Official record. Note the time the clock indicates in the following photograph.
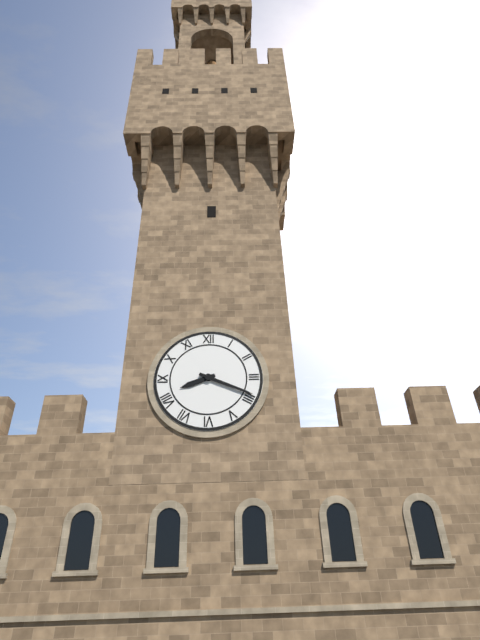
8:19
